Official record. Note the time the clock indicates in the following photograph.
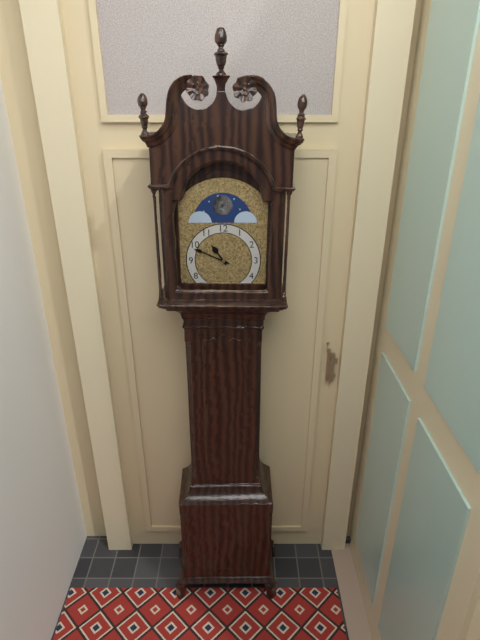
10:49
